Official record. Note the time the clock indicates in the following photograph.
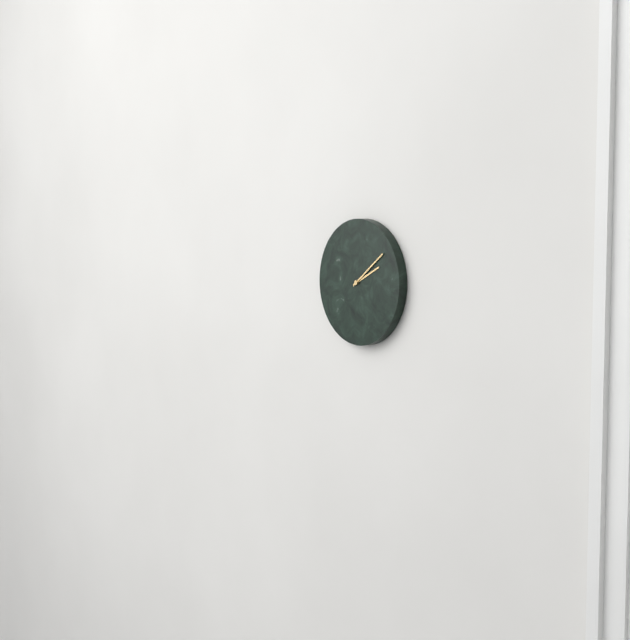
2:09
